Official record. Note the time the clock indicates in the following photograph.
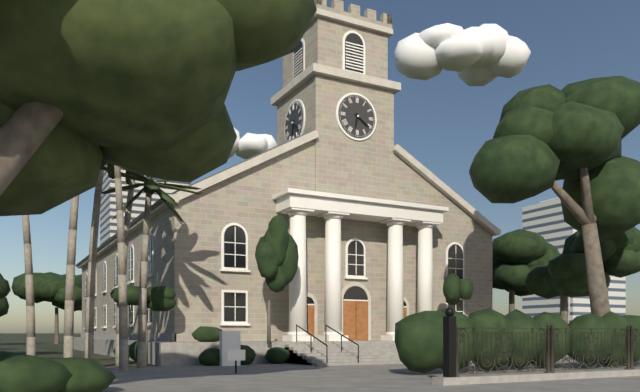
6:21
